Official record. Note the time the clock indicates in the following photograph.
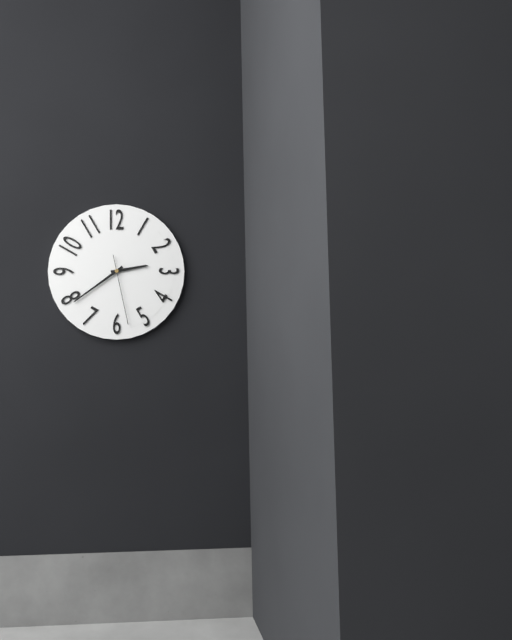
2:39:28
